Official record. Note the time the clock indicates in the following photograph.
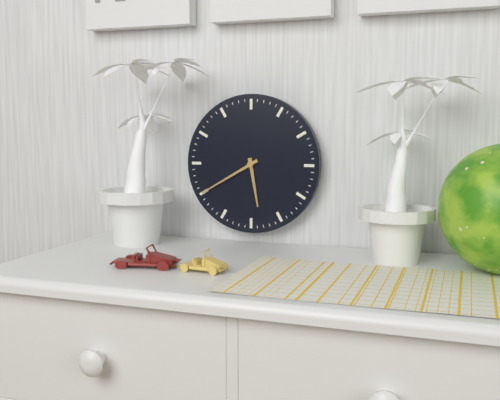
5:40
